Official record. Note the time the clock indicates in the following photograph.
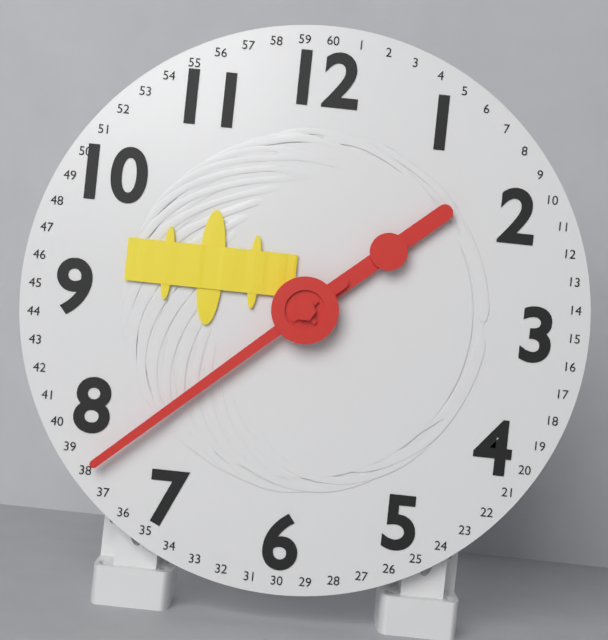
1:38
